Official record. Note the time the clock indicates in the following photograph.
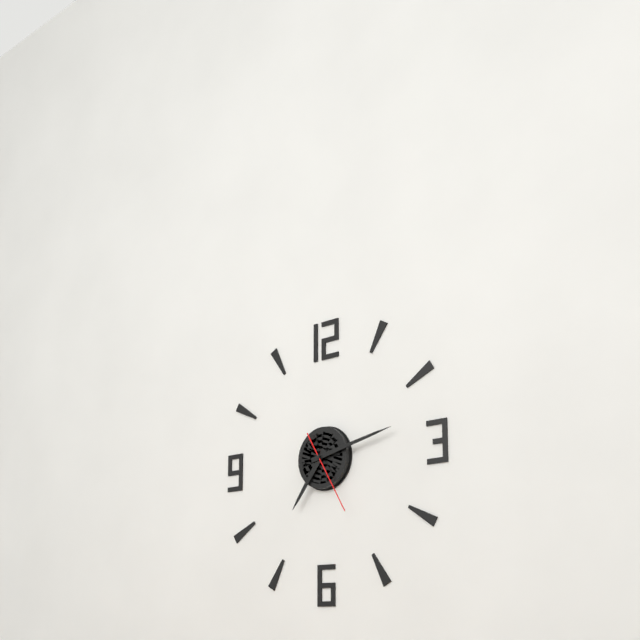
7:13:25
